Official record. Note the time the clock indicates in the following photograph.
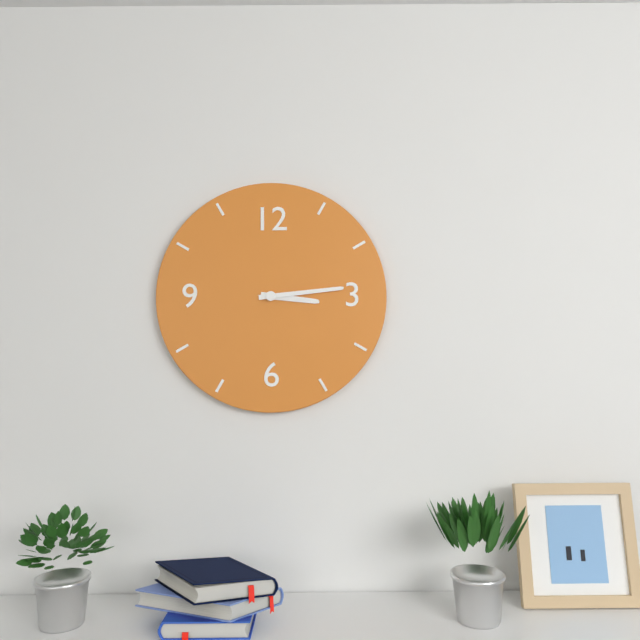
3:14
